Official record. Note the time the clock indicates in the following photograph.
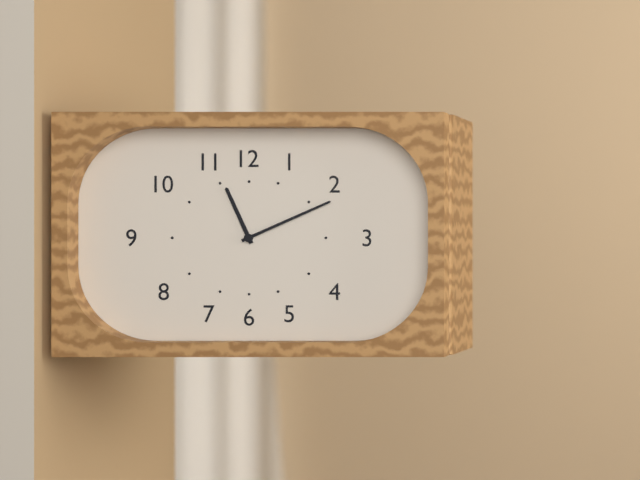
11:11
